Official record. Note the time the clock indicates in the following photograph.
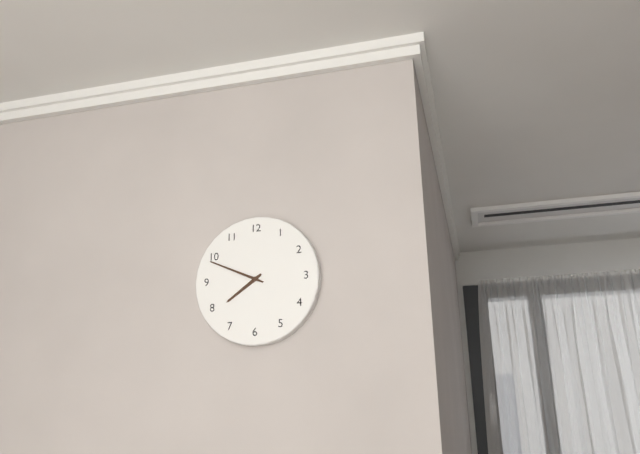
7:49
